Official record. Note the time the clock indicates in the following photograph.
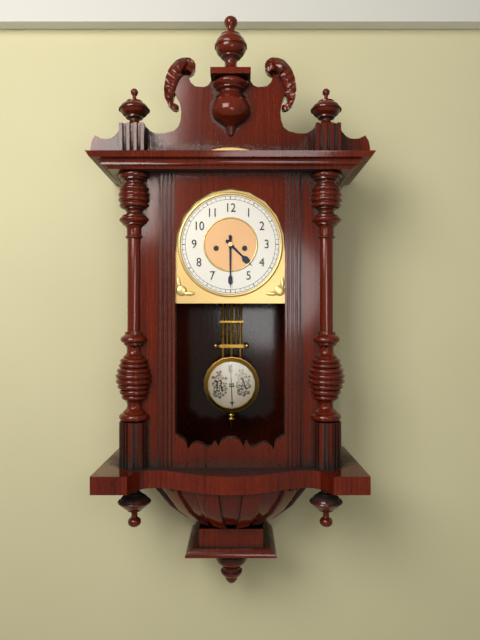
4:30
